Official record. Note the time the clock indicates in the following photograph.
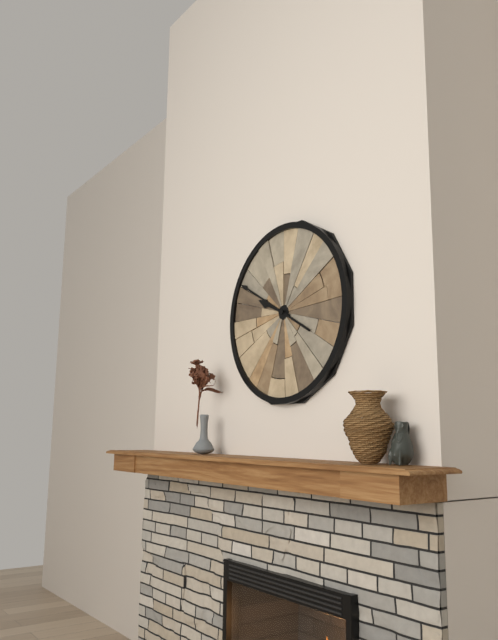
9:50
